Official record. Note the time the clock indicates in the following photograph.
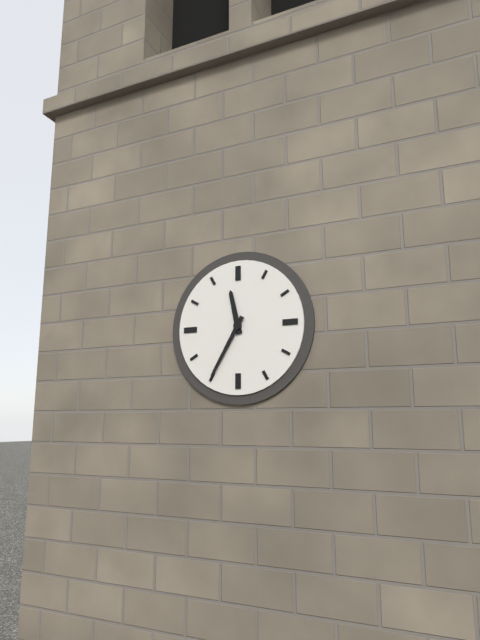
11:35
